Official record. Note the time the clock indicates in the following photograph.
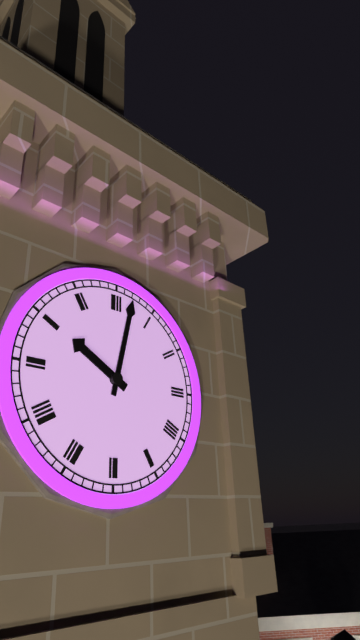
10:02
